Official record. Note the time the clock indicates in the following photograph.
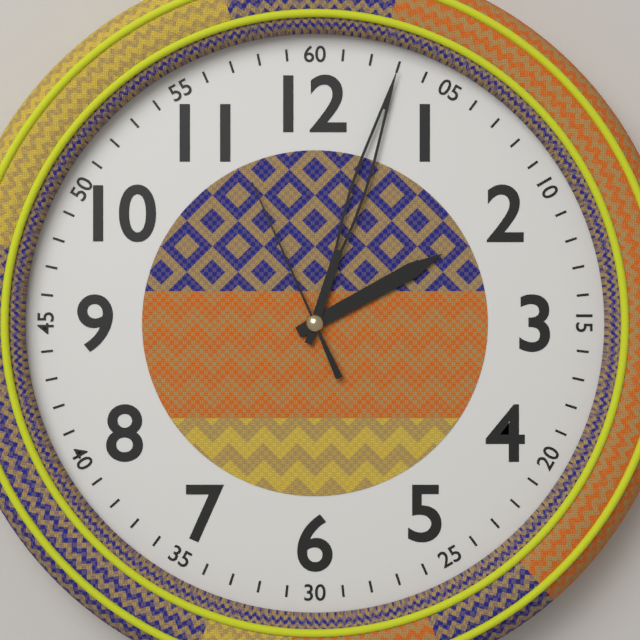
2:03:56
